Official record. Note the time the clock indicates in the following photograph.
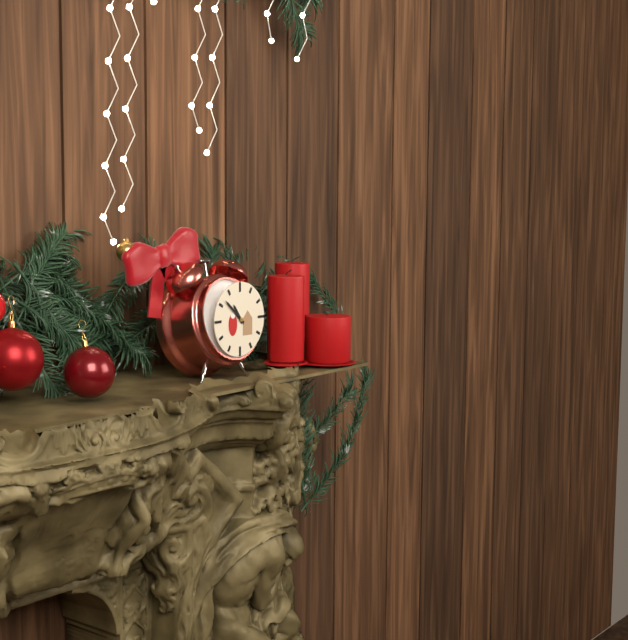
10:52
